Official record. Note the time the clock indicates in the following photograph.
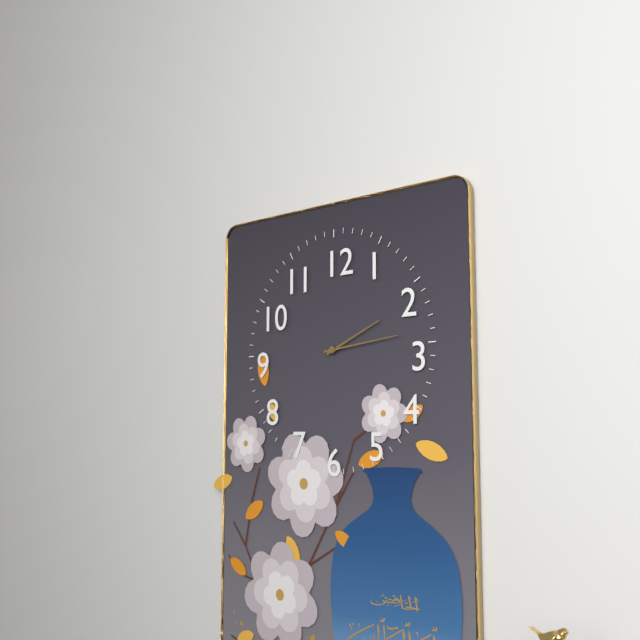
2:14
